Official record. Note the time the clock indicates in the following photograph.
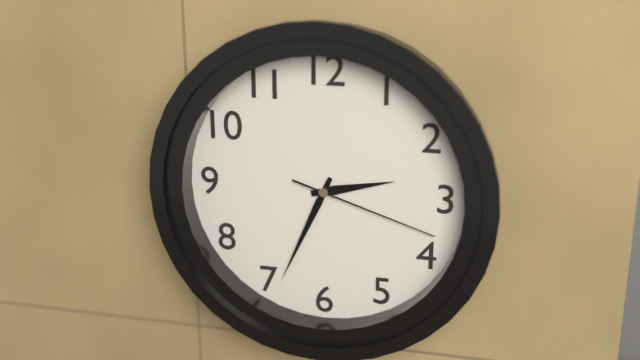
2:34:18
